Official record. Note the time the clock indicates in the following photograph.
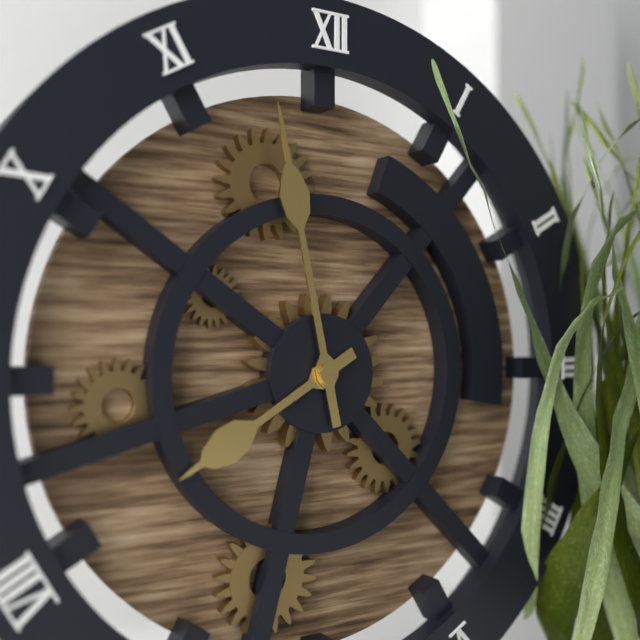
7:58
